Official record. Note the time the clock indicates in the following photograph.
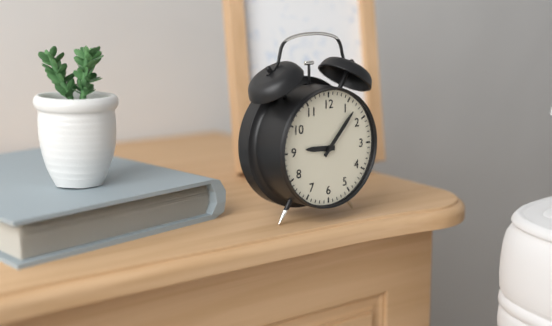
9:07
